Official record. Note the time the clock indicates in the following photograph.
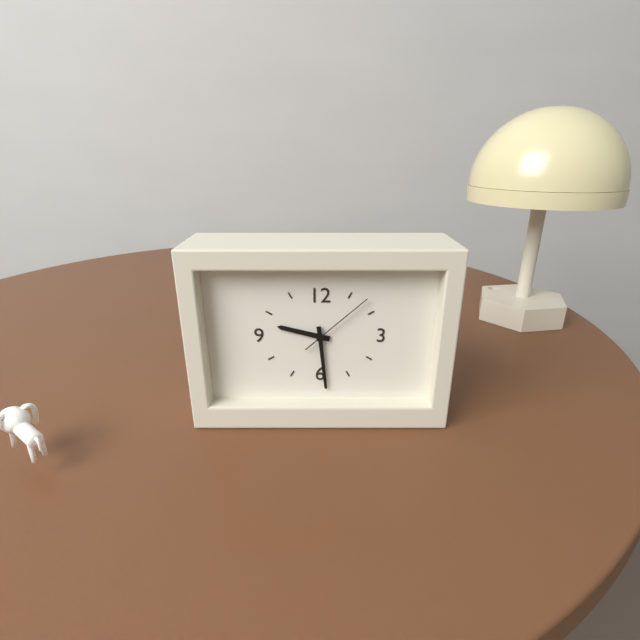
9:29:08
